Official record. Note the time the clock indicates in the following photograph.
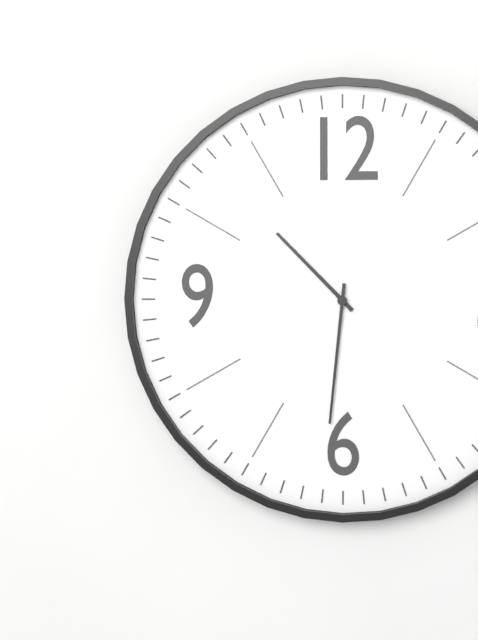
10:31
